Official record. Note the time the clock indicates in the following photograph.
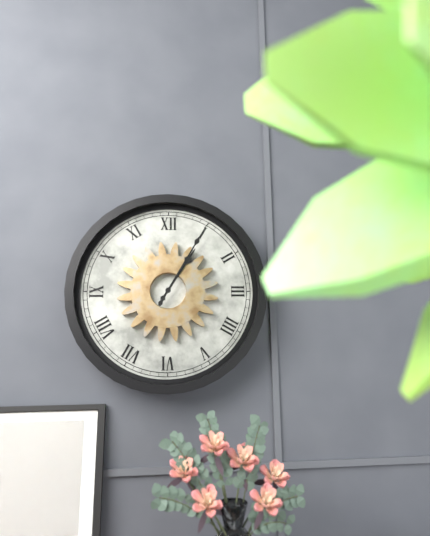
1:05
